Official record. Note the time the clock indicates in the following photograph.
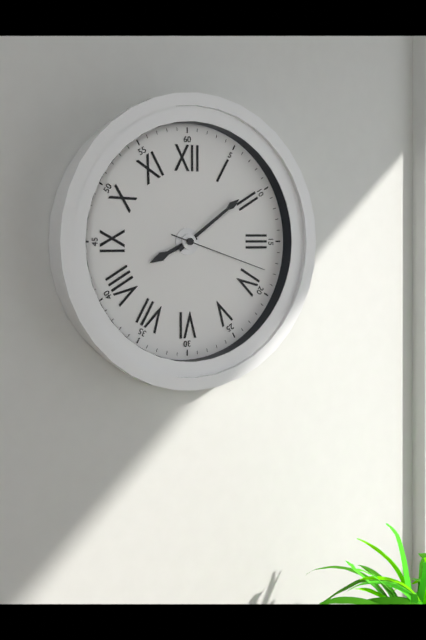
8:09:18
